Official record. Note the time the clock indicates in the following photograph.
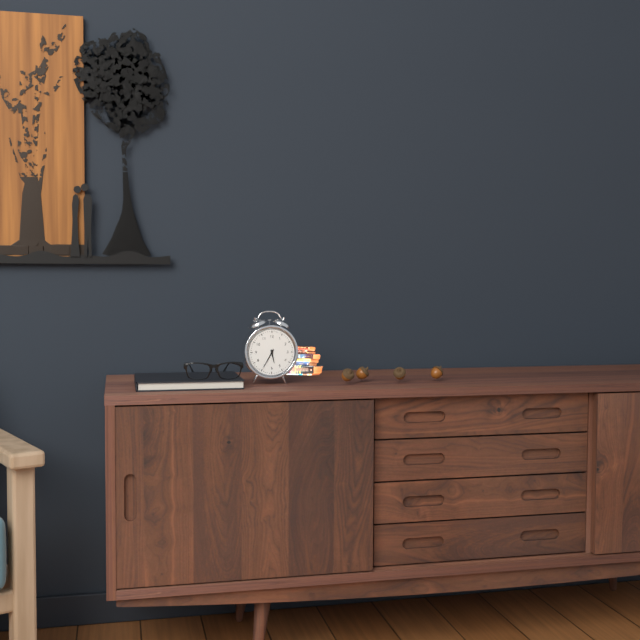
5:35
